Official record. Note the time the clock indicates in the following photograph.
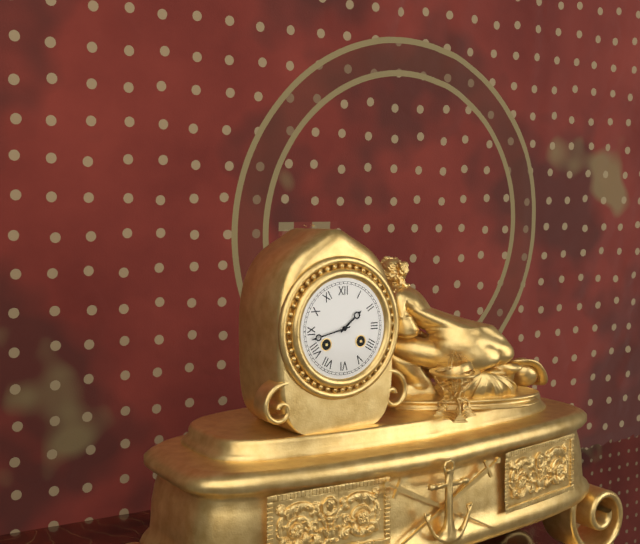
1:43
